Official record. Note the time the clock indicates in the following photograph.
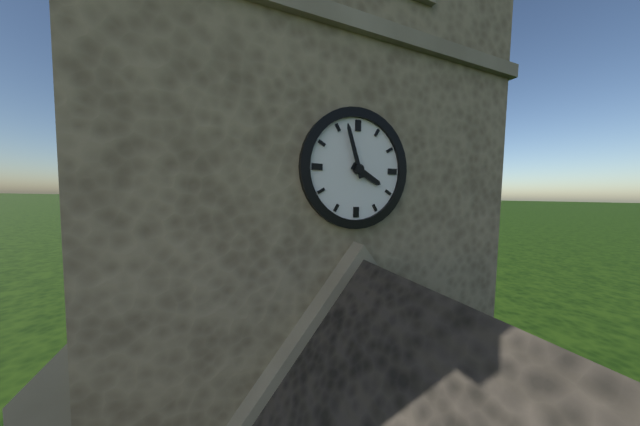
3:57
